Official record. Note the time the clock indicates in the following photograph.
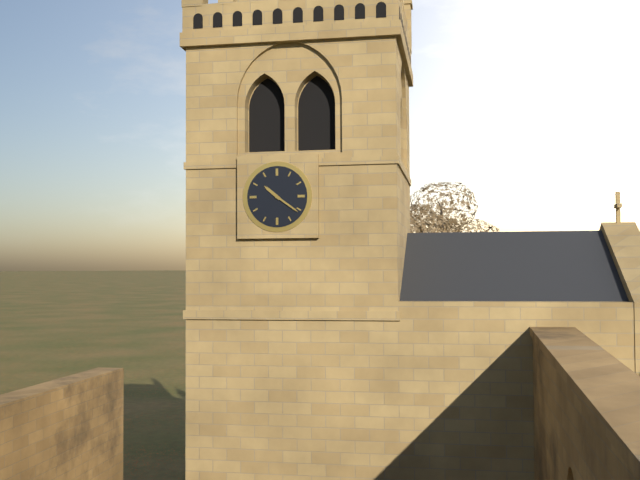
10:21
